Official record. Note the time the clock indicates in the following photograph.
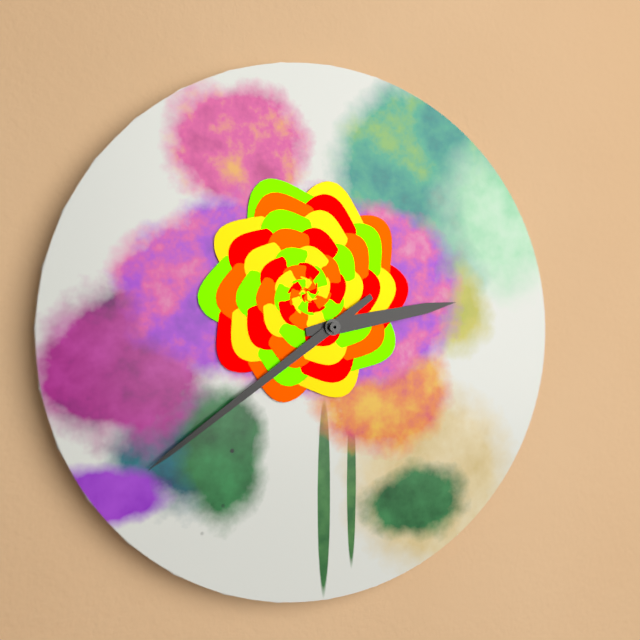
2:39
